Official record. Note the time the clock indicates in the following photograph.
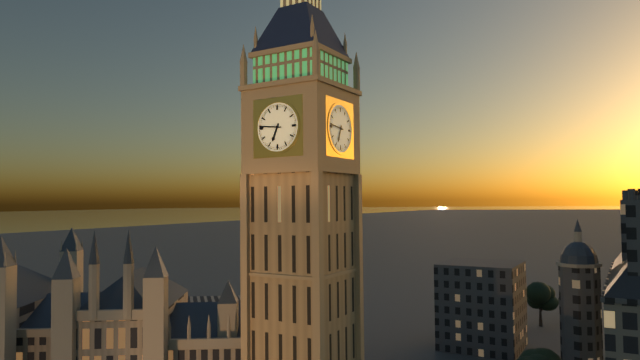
6:46
